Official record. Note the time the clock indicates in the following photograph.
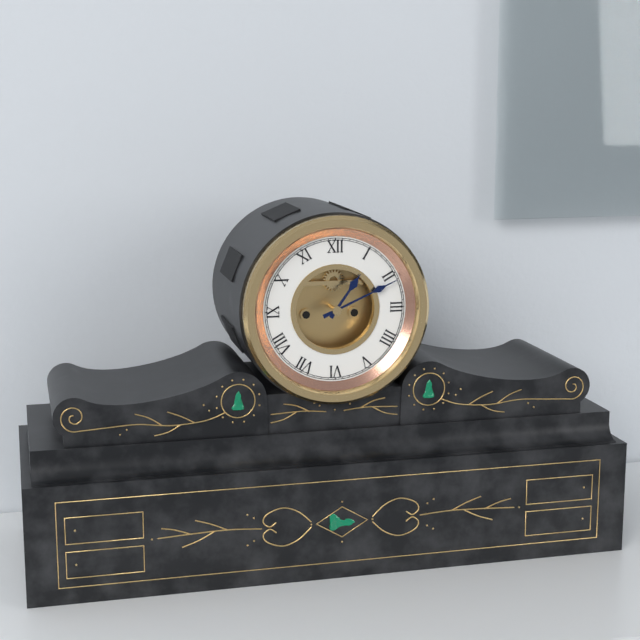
1:11
